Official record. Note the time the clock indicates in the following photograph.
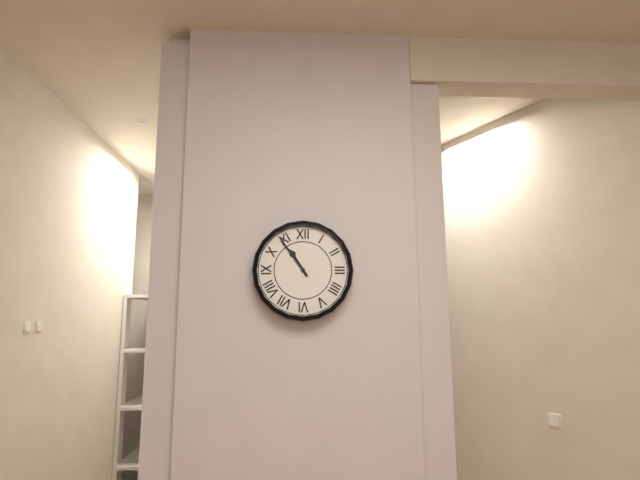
10:54
